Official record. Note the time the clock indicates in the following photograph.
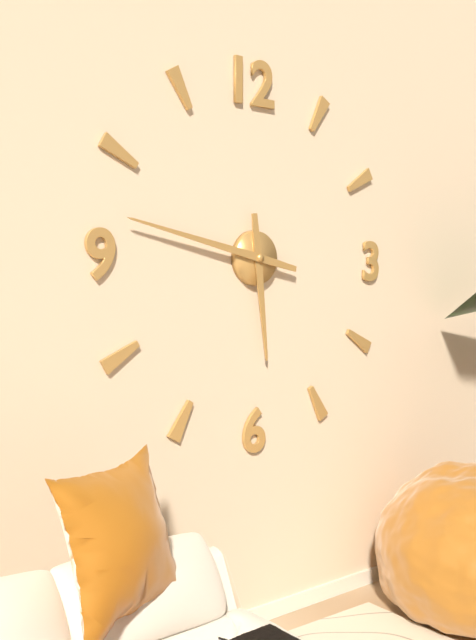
5:47
